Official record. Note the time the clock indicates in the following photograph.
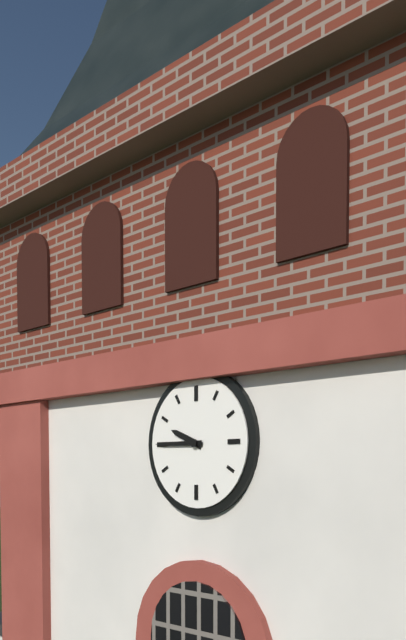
9:45
